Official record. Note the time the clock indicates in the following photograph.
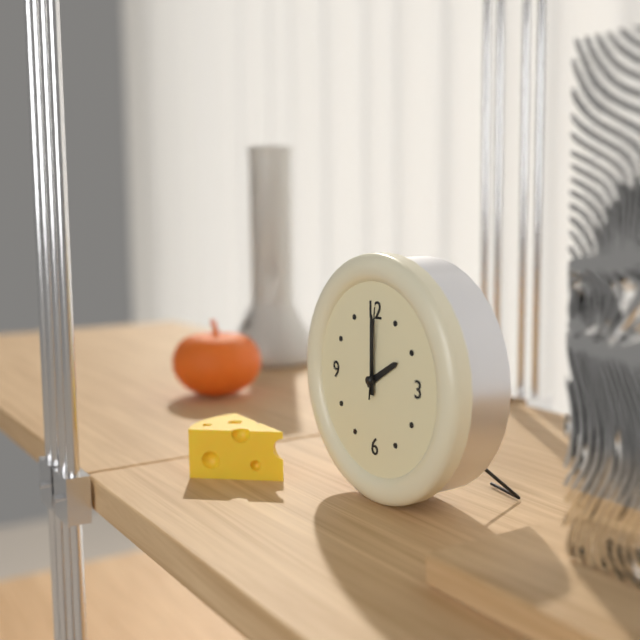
2:00:01
